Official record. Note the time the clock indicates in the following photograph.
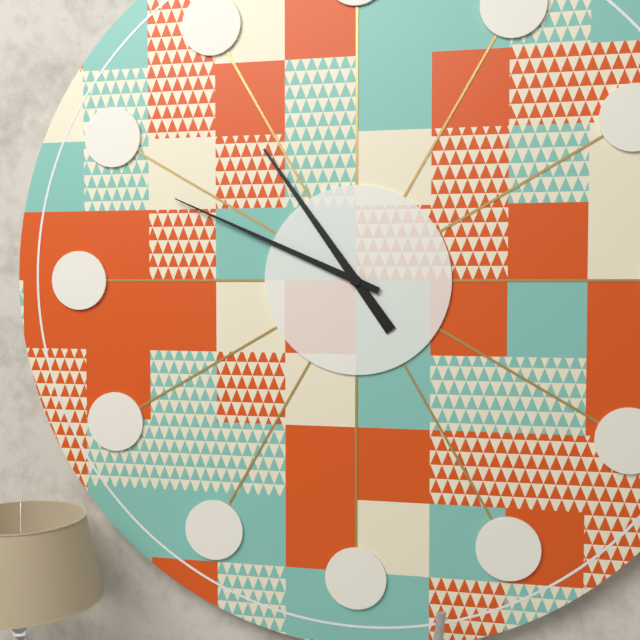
10:49
